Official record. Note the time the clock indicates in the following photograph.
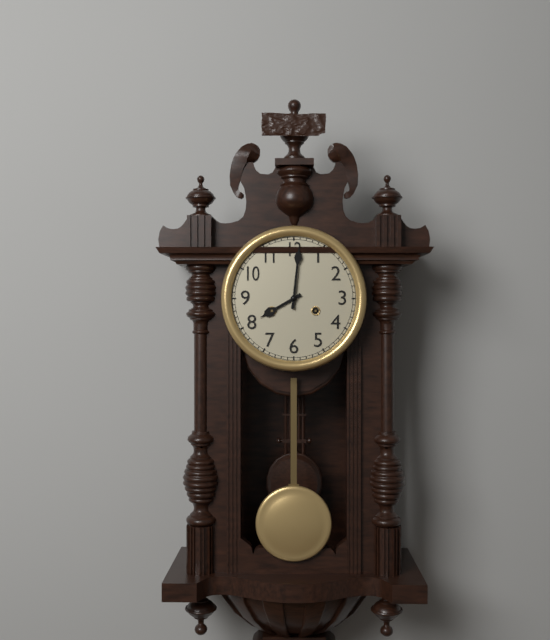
8:01
